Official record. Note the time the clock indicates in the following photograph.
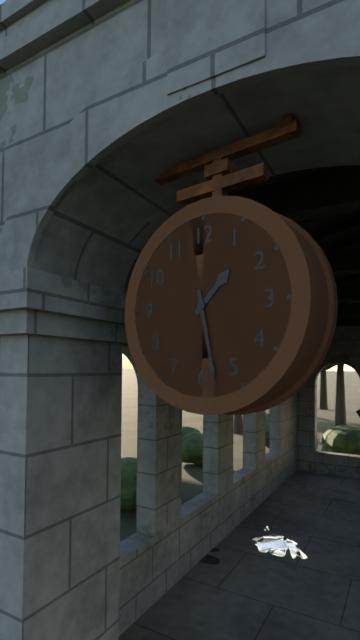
1:28
